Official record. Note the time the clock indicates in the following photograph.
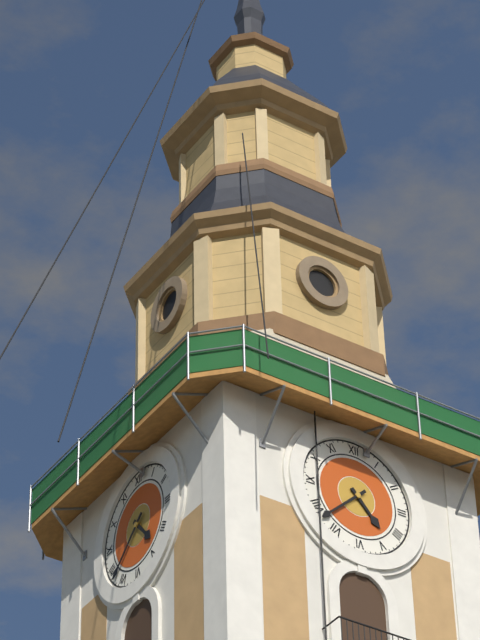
4:38
